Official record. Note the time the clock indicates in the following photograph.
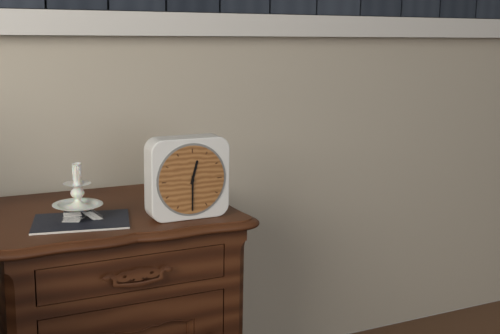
12:30
